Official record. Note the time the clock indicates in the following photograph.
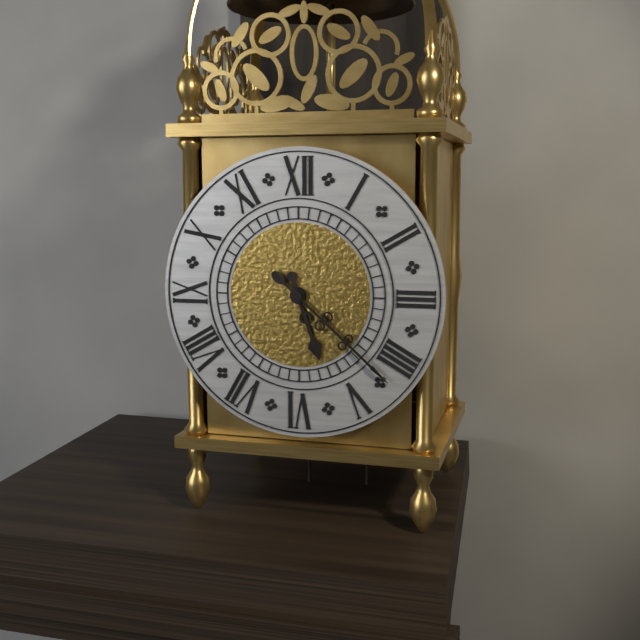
5:22
